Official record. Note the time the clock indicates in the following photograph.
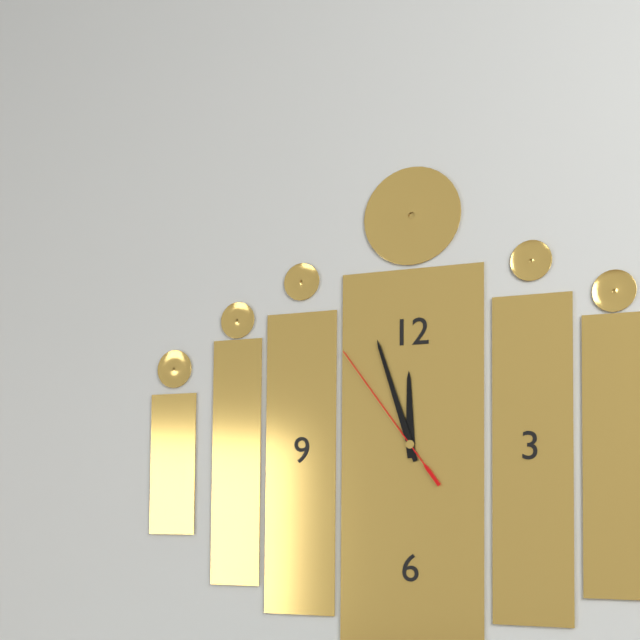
11:57:54
